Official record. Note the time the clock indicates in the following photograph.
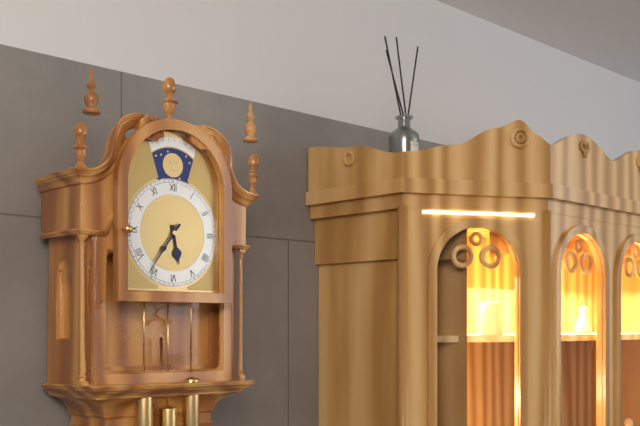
5:36
